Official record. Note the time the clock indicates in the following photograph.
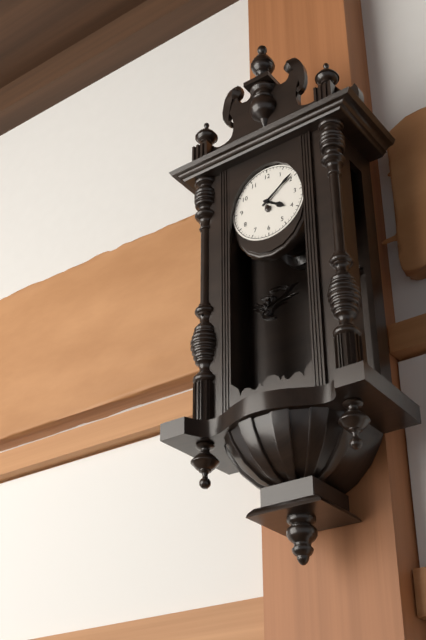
4:09
